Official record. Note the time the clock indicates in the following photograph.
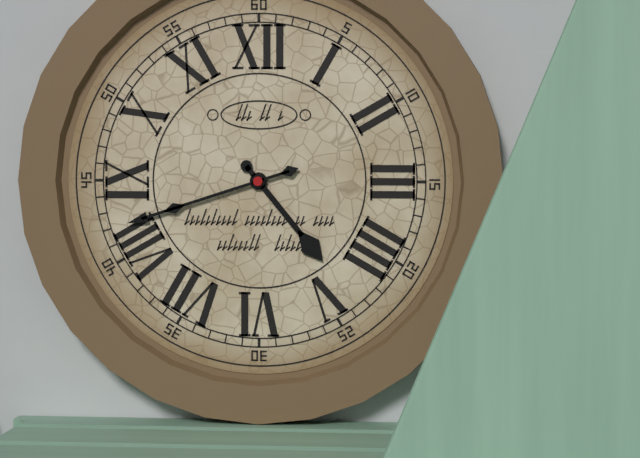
4:42
